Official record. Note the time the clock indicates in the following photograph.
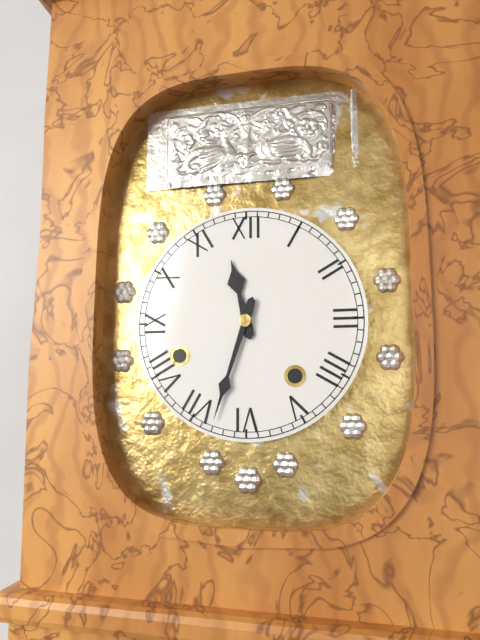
11:33
